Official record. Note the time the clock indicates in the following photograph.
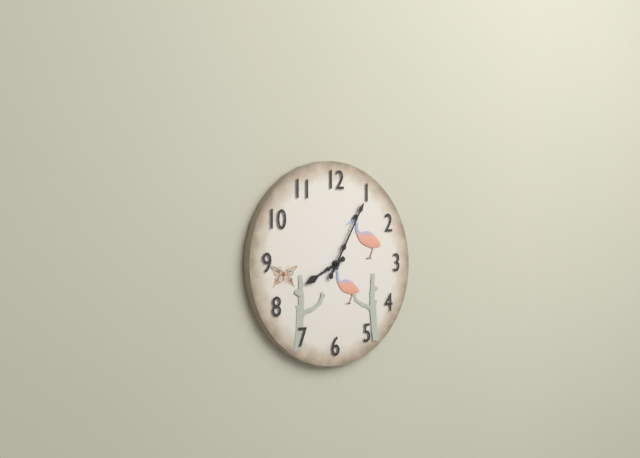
8:05
